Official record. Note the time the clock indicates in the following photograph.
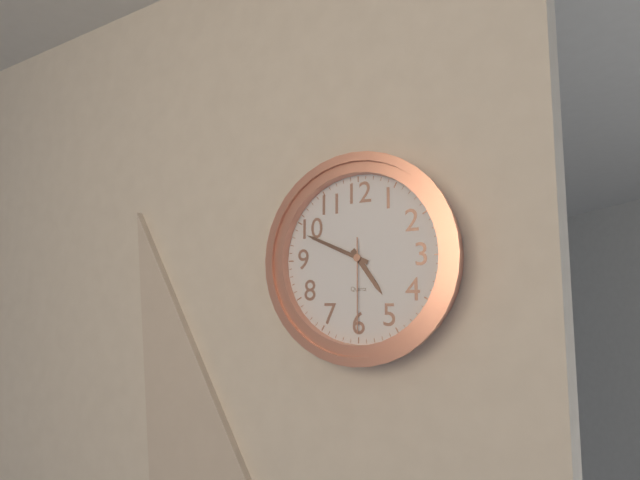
4:49:30
